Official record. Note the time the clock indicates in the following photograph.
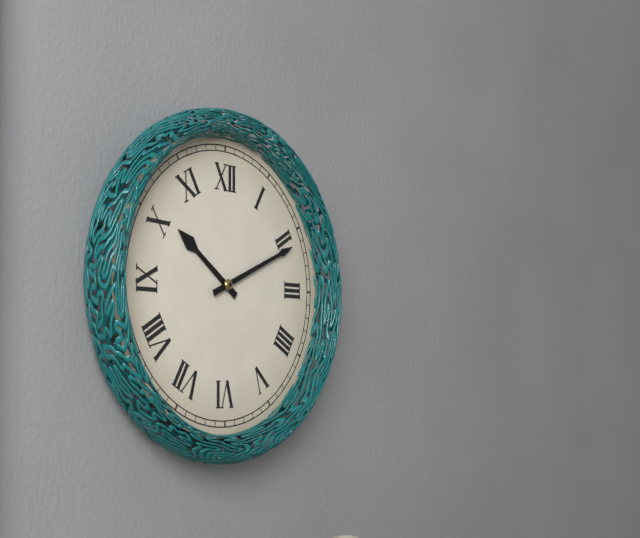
10:11
